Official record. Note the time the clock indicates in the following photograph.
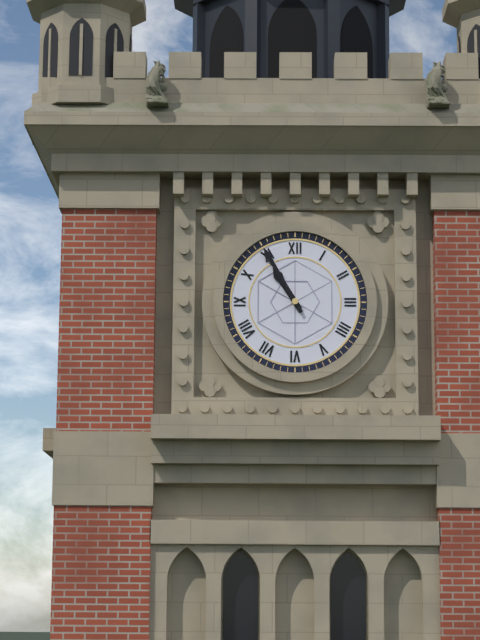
10:55
